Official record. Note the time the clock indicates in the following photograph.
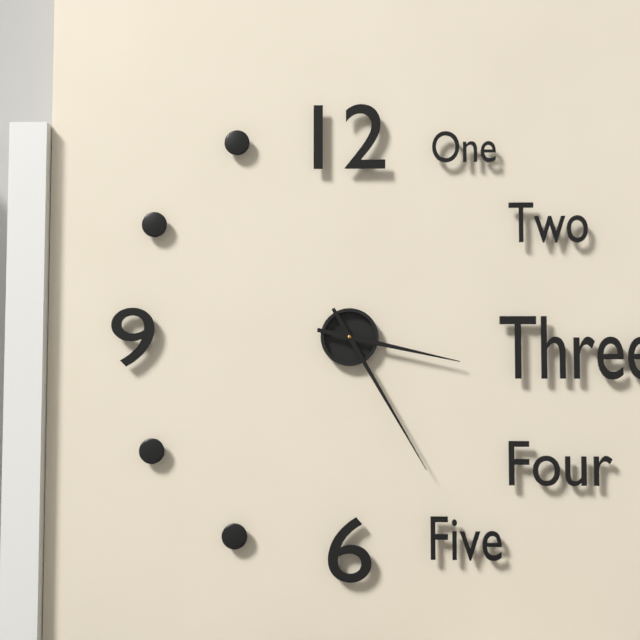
3:25
